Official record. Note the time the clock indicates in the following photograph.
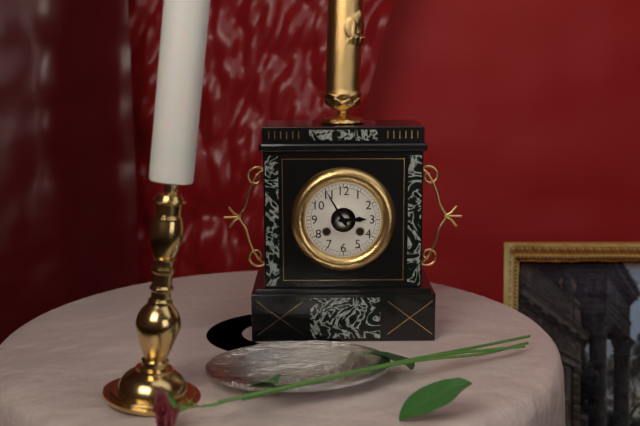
2:55
